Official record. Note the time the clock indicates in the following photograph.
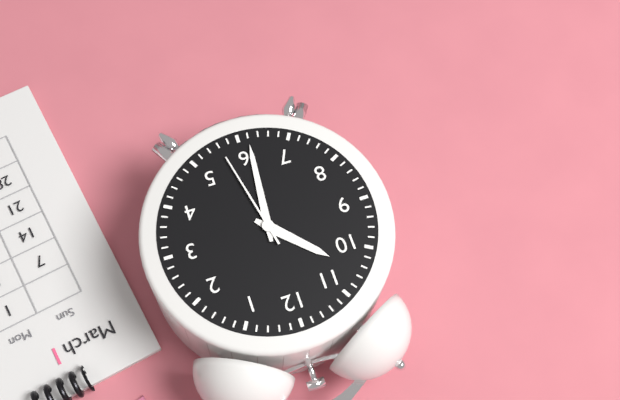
10:31:28
